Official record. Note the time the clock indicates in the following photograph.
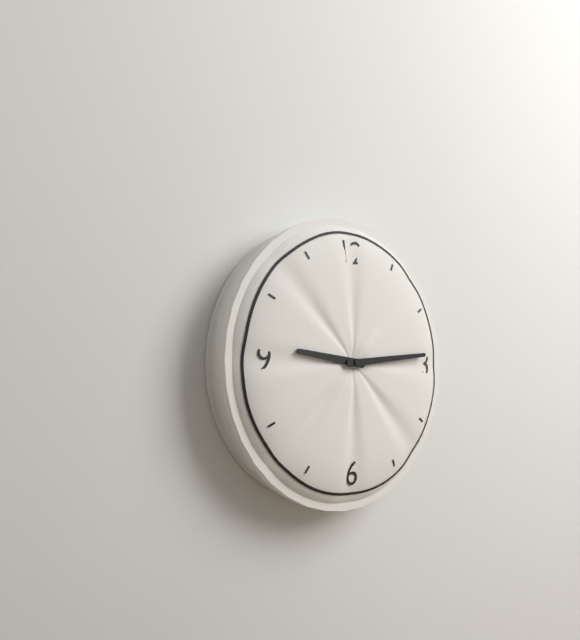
9:14
